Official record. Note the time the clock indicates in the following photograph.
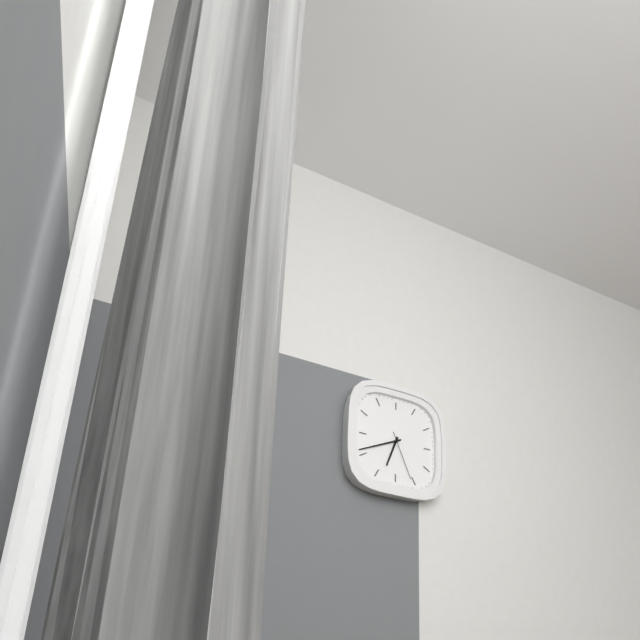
6:41:26
